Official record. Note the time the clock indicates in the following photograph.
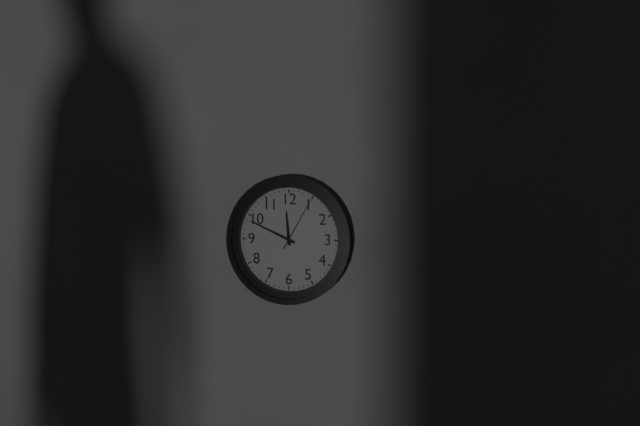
11:49:05
